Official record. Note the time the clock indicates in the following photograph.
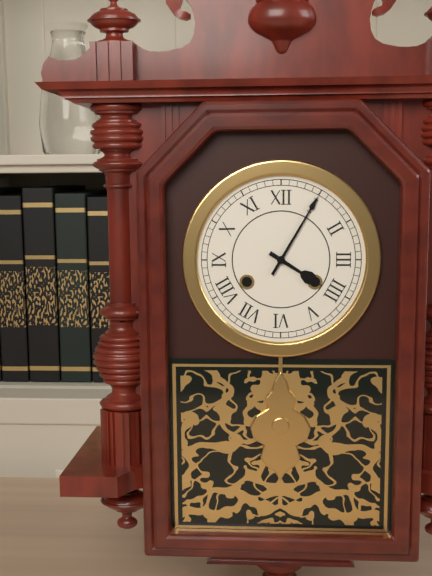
4:05
